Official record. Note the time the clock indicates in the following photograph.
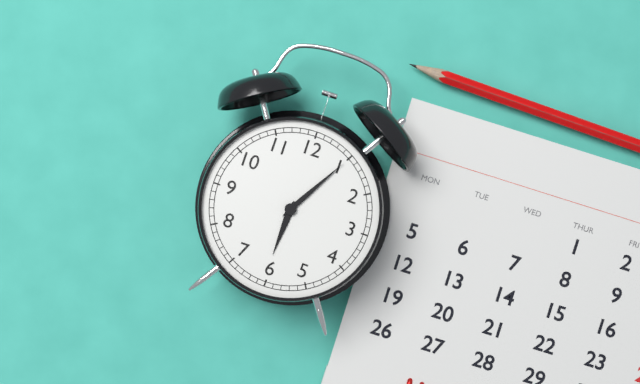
6:05
